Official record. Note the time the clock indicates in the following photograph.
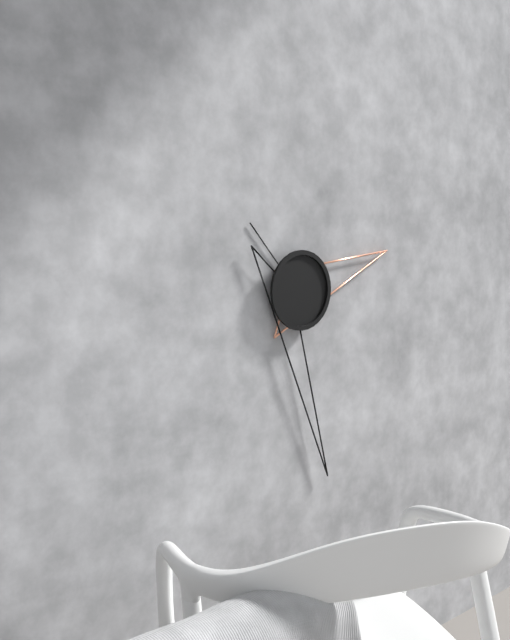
2:28:53
